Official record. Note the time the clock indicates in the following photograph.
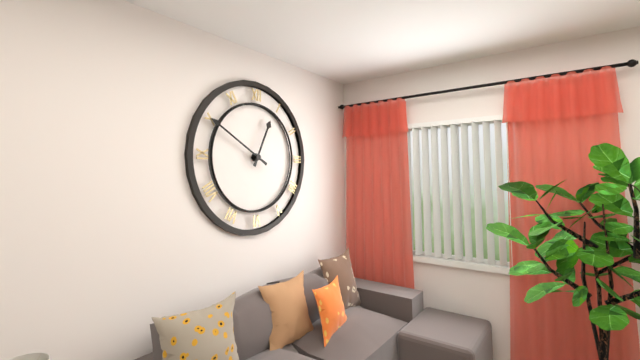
12:50
